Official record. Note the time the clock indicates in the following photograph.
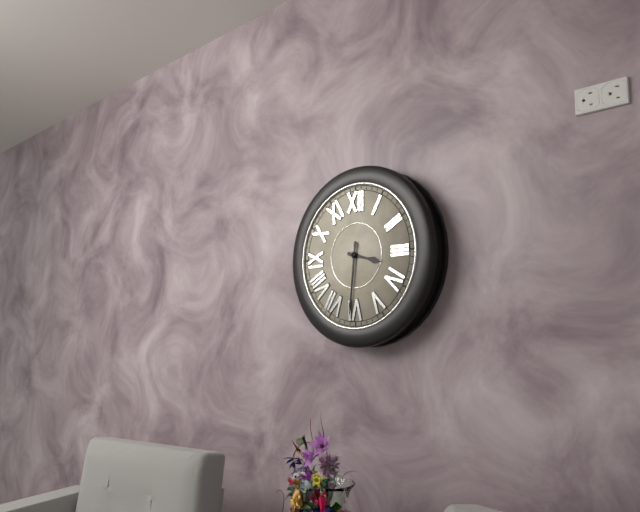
3:31
